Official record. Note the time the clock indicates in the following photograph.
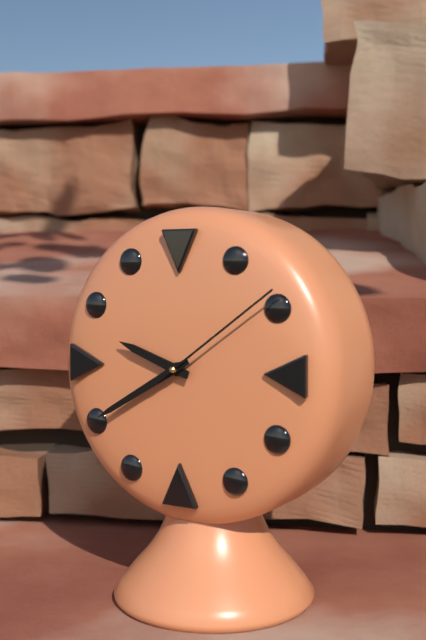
9:40:09
